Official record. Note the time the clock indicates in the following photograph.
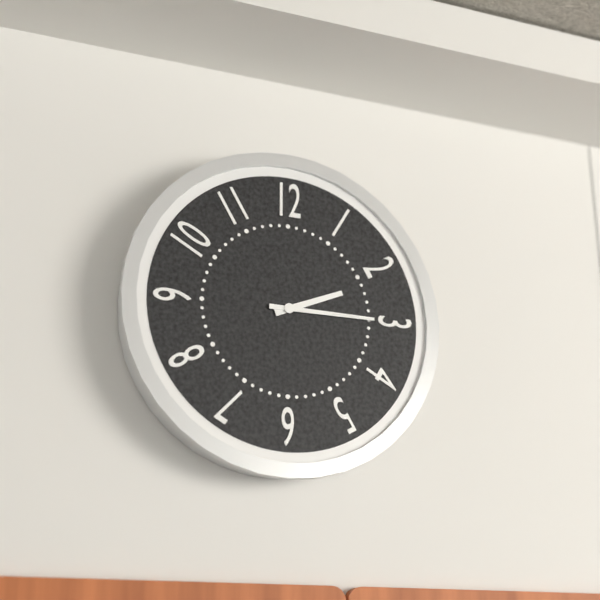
2:15
